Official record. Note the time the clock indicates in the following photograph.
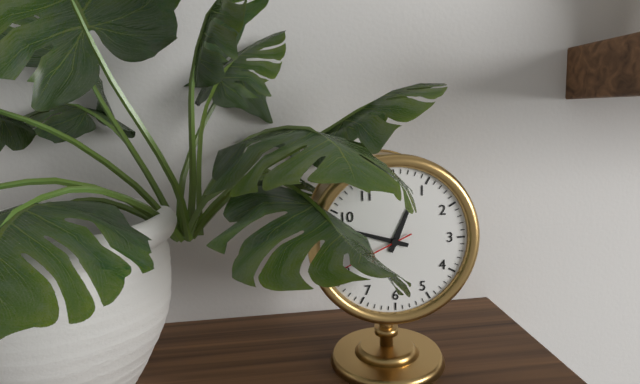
12:48:41
